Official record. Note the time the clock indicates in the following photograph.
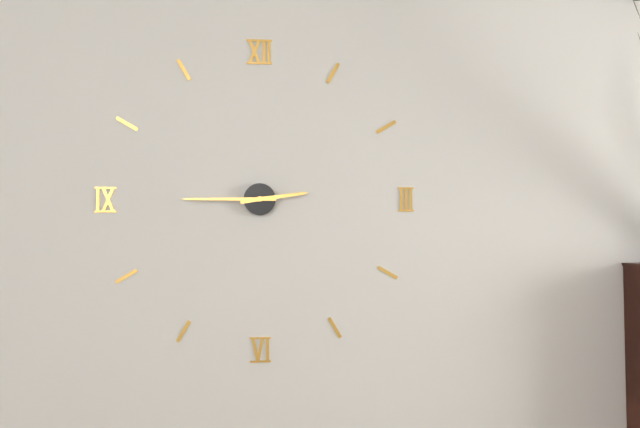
2:45
